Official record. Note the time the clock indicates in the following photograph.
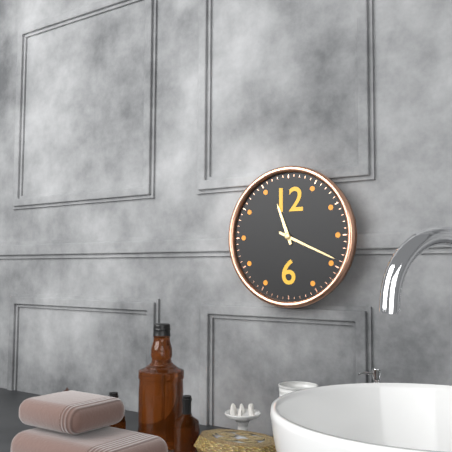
11:19
